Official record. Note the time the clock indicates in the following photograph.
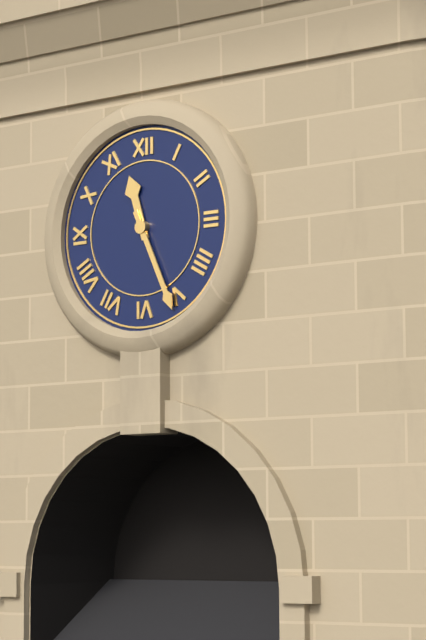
11:26
